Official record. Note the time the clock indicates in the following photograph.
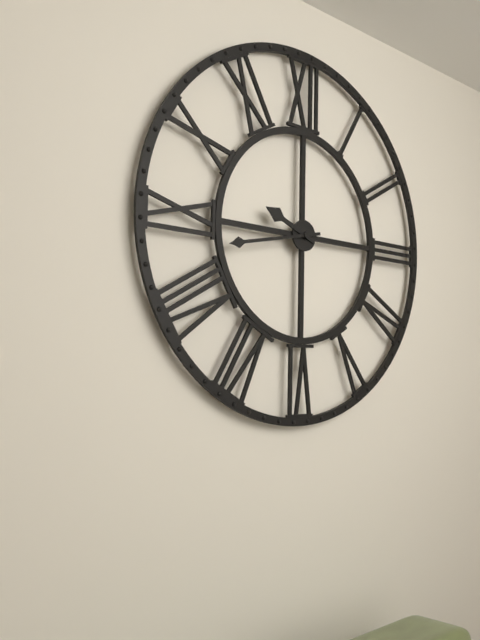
9:43
